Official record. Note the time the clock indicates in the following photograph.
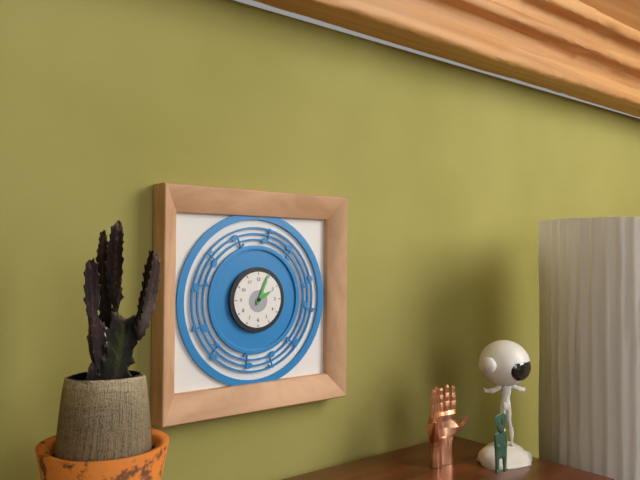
2:04
